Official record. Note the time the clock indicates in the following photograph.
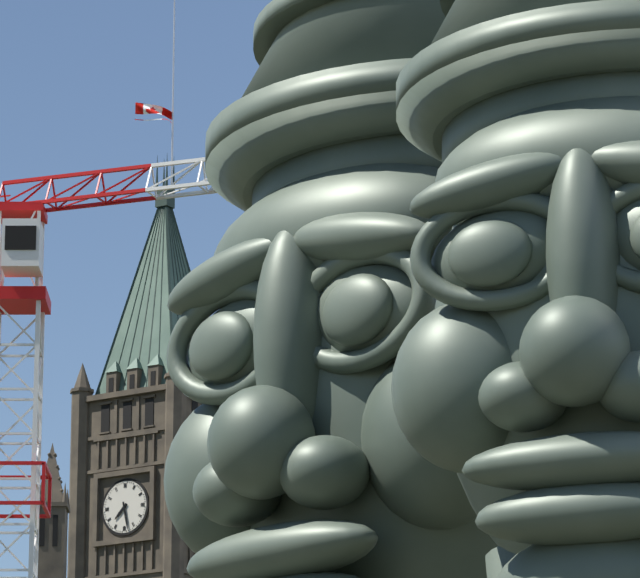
7:28
